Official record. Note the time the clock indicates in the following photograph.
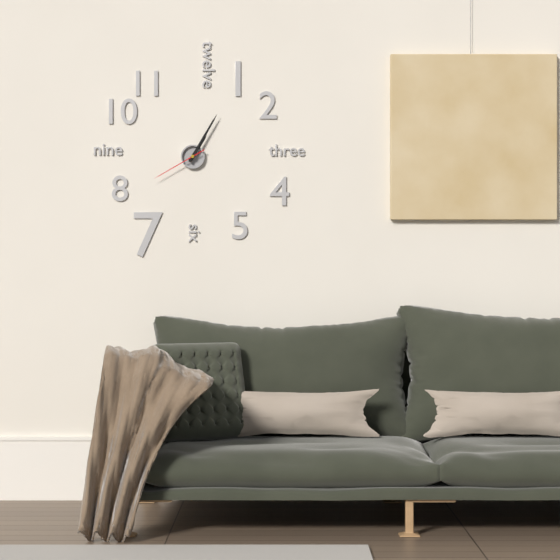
1:05:40
